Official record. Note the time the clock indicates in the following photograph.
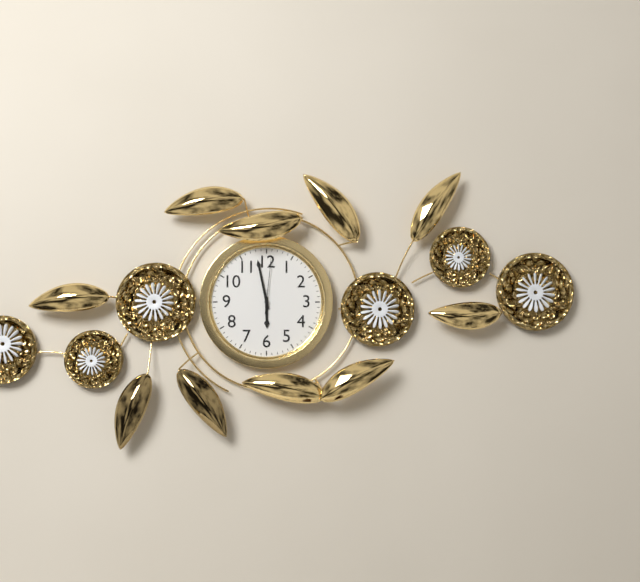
5:58:01
